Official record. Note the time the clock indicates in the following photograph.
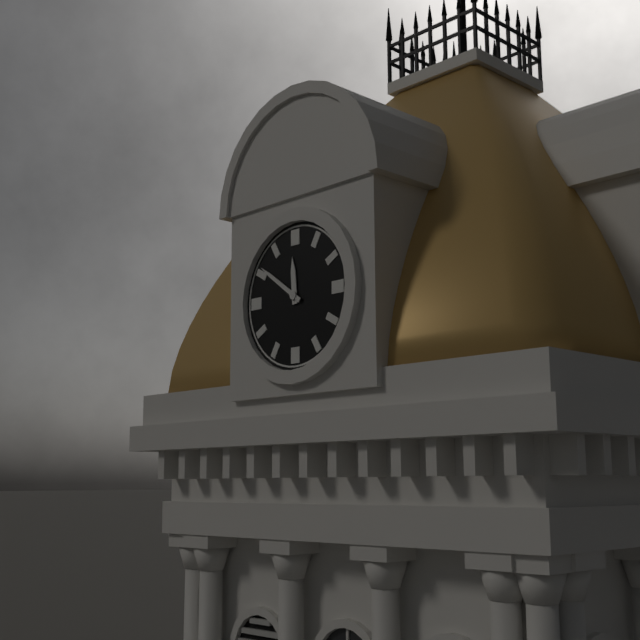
11:51
